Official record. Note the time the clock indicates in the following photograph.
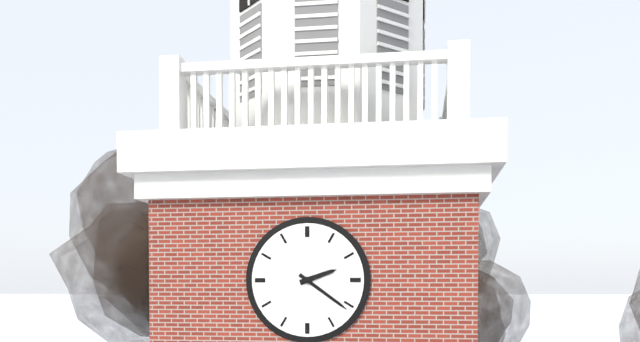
2:21
